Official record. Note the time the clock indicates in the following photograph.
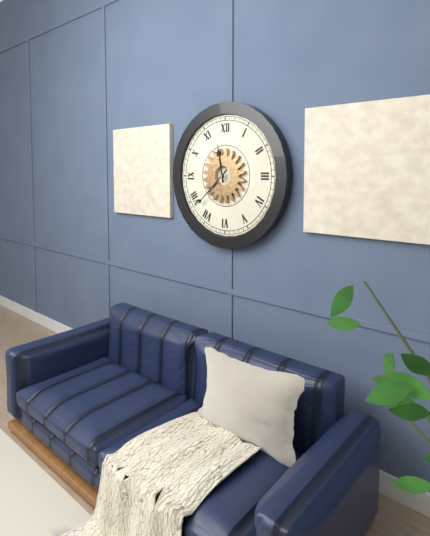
11:38
